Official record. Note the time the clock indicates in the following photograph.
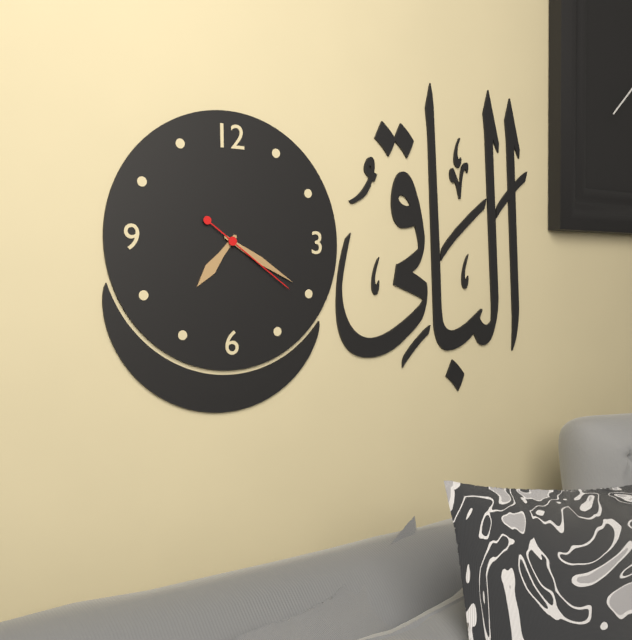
7:20:21
